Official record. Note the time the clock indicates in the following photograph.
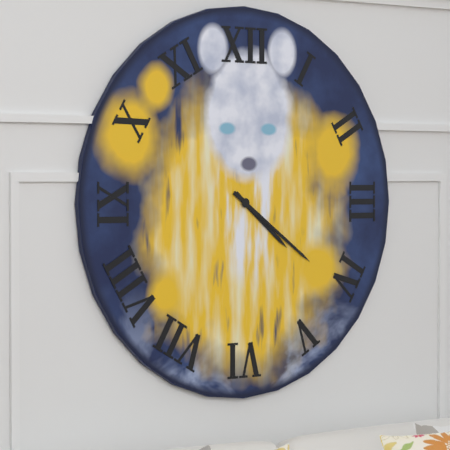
4:21
